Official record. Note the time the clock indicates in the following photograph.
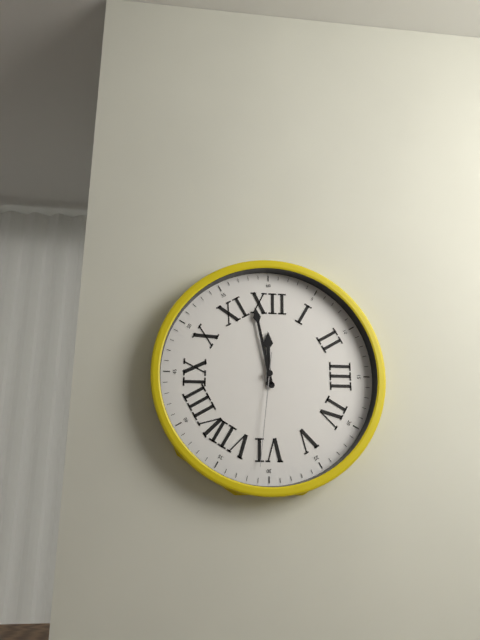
11:58:31
